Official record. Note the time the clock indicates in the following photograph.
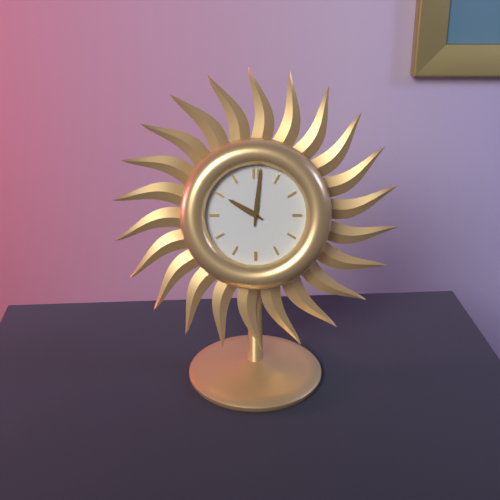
10:01
